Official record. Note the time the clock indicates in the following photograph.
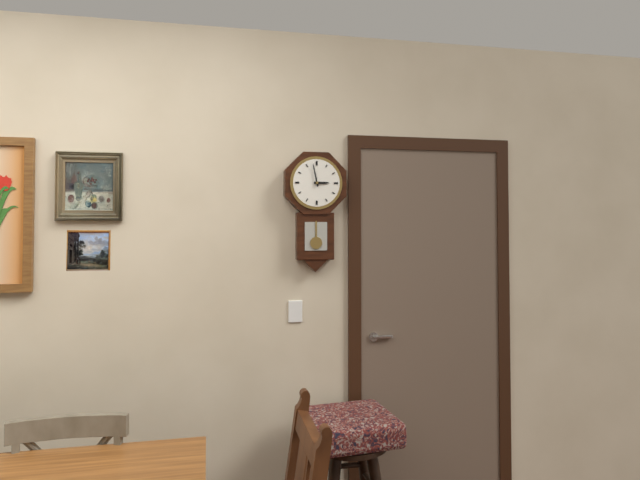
2:58
